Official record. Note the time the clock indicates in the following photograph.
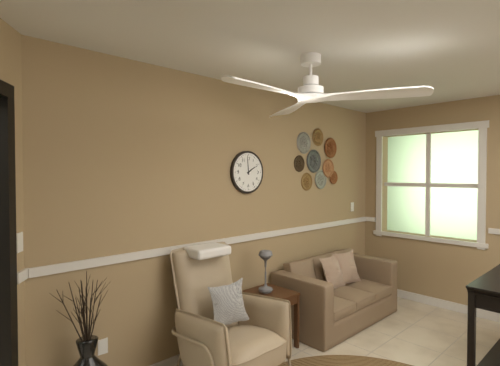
1:59
